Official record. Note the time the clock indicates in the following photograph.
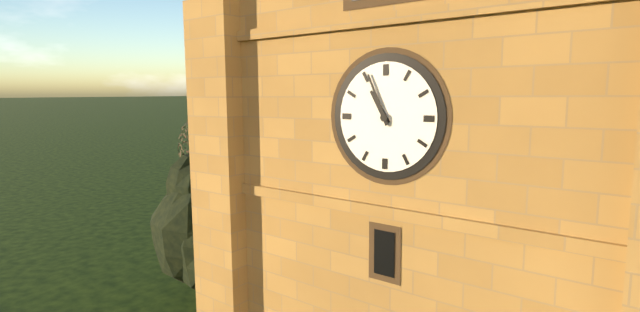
10:56
